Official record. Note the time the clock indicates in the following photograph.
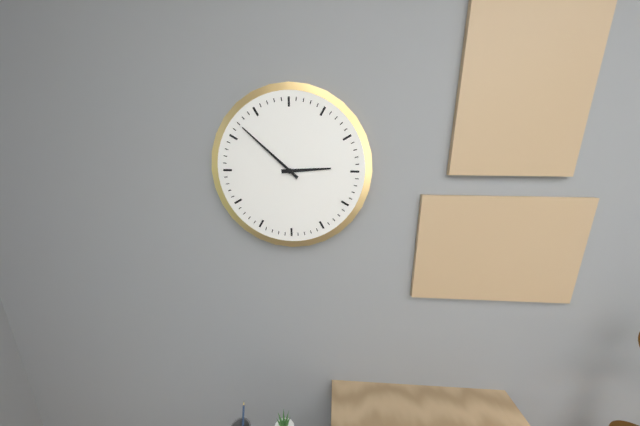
2:52
